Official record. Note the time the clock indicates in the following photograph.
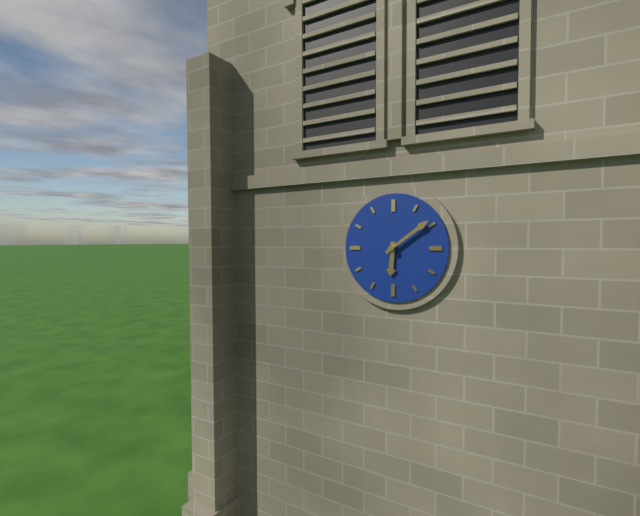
6:09
